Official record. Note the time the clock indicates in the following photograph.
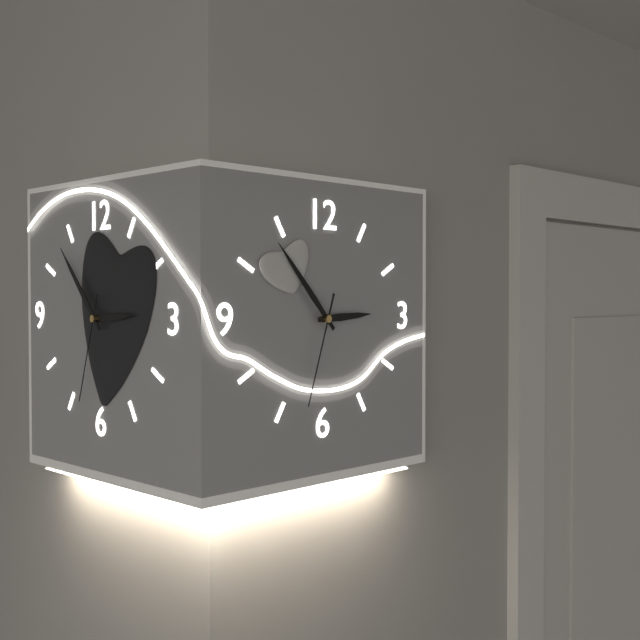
2:53:33
